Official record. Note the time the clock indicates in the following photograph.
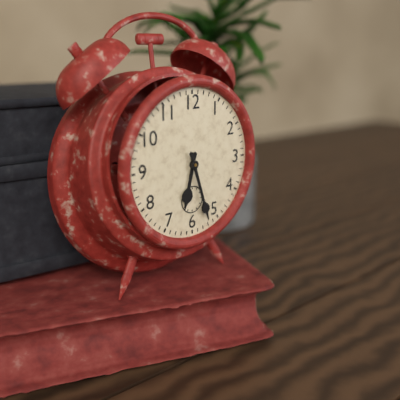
6:27
